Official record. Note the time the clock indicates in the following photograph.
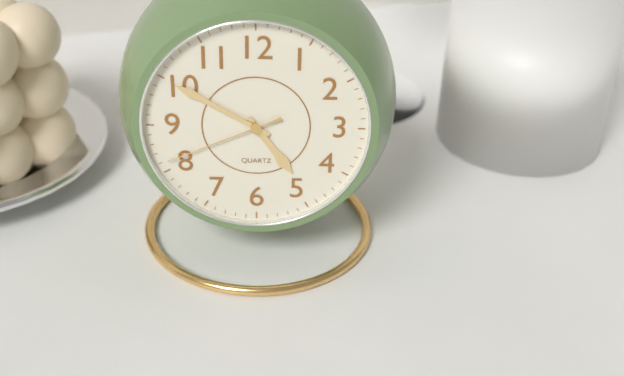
4:50:41
